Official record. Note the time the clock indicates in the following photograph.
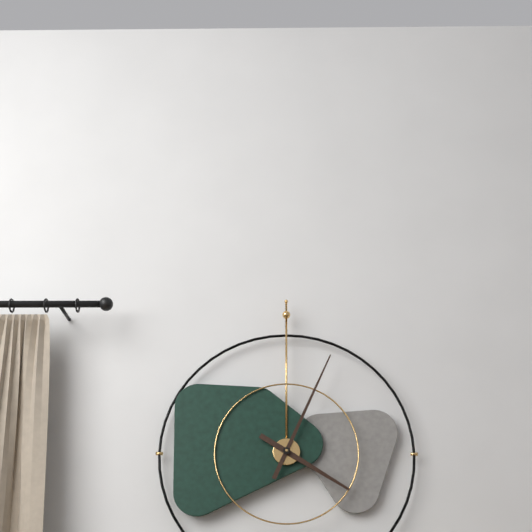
4:04
